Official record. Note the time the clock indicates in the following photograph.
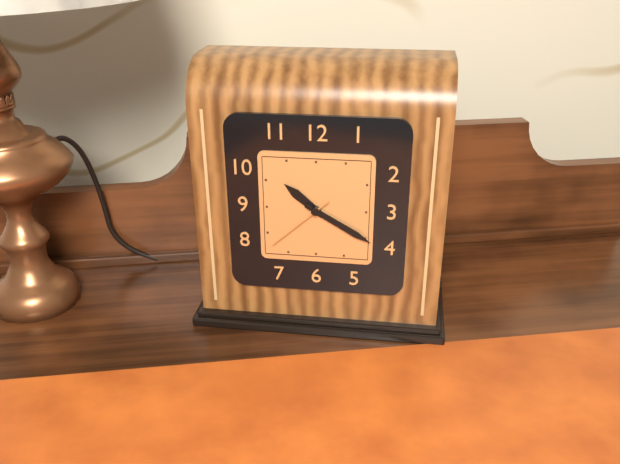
10:20:38
